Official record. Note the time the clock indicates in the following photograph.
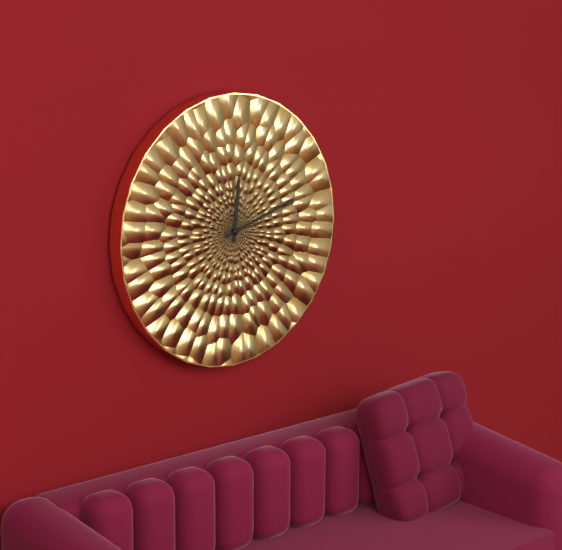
12:12
